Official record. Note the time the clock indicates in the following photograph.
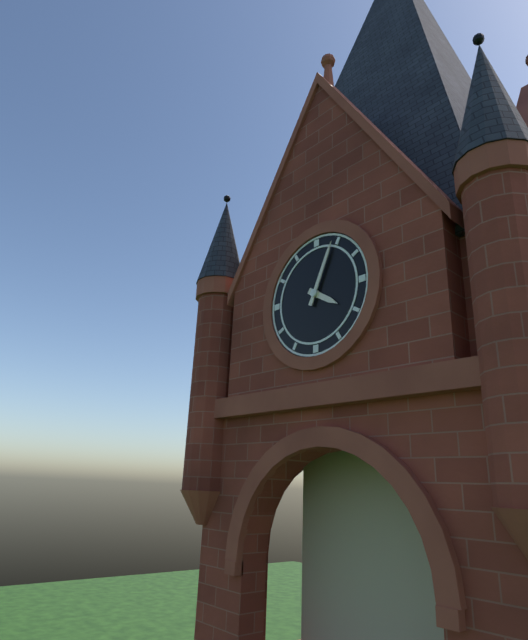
4:04
